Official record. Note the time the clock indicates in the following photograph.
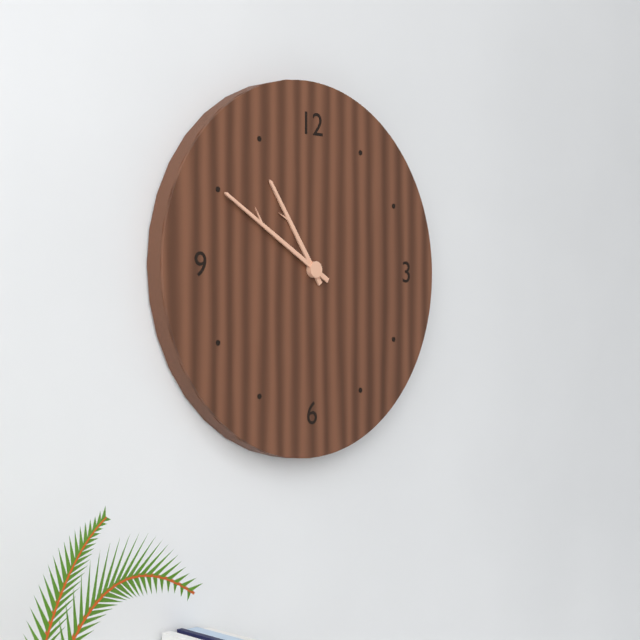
10:50
